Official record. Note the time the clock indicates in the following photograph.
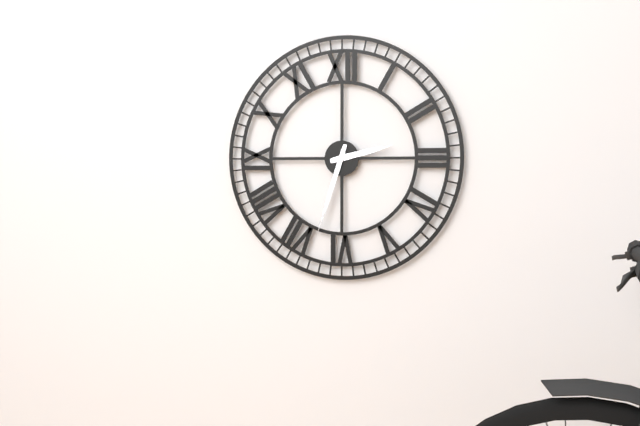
2:33
